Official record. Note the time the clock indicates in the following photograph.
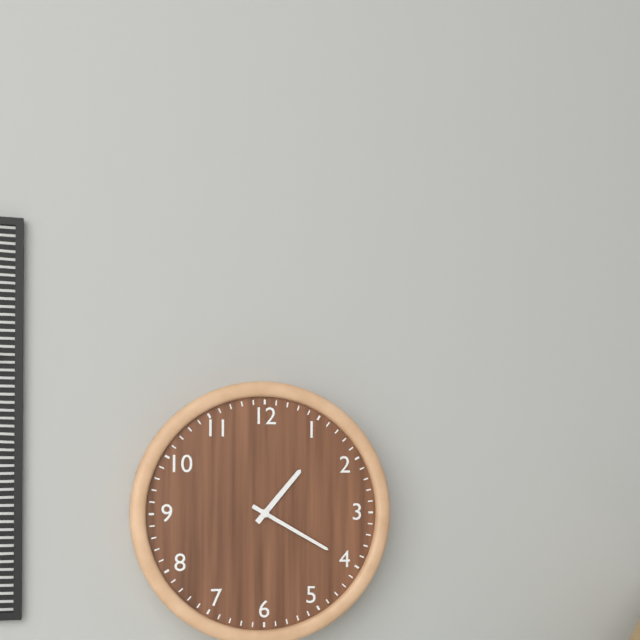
1:20
